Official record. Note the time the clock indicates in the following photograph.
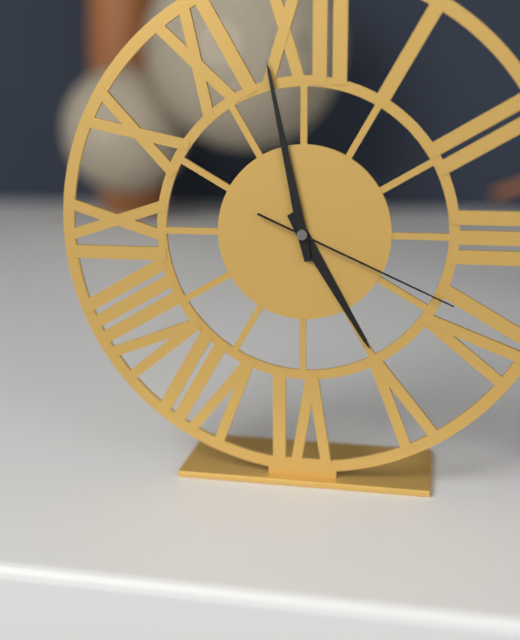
4:58:19
